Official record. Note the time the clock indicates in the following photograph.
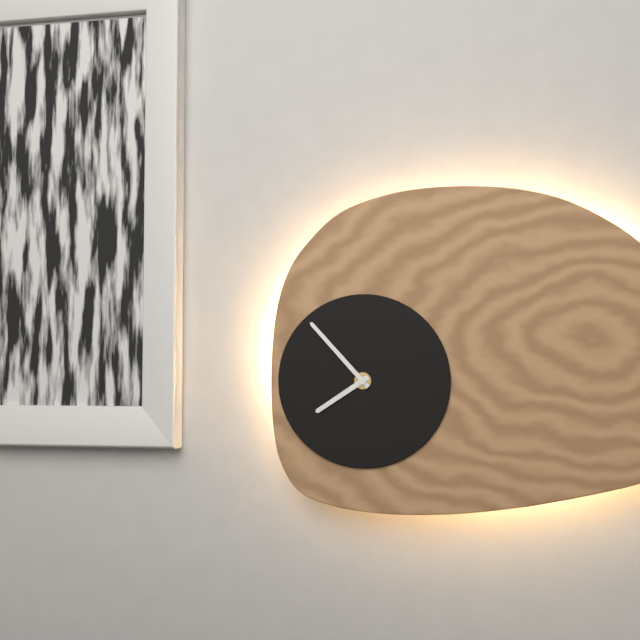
7:53
